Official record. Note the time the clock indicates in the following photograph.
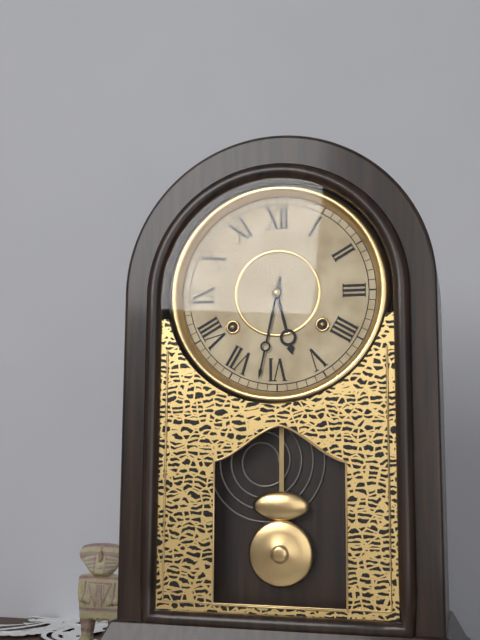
5:32
